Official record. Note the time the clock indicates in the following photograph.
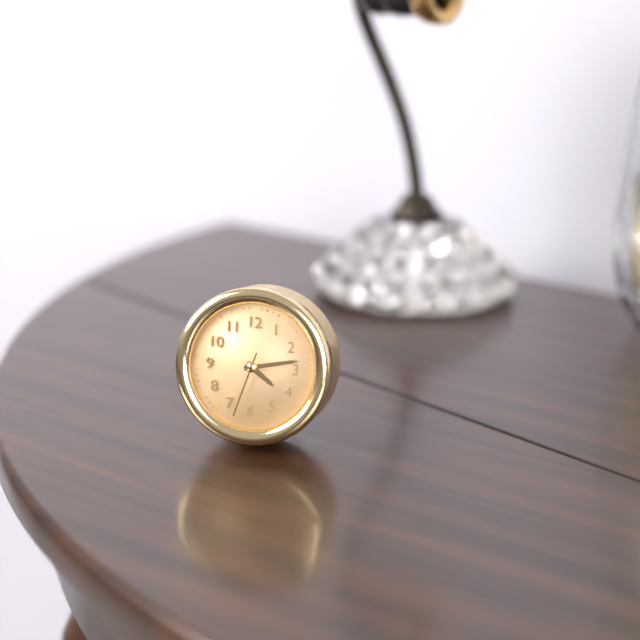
4:13:33
